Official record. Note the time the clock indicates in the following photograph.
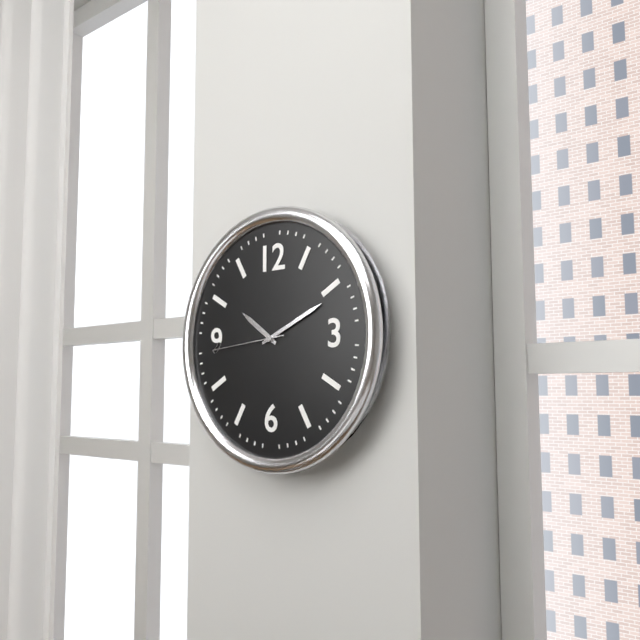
10:11:44
